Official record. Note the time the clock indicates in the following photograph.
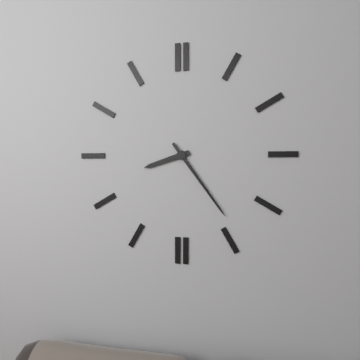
8:24
